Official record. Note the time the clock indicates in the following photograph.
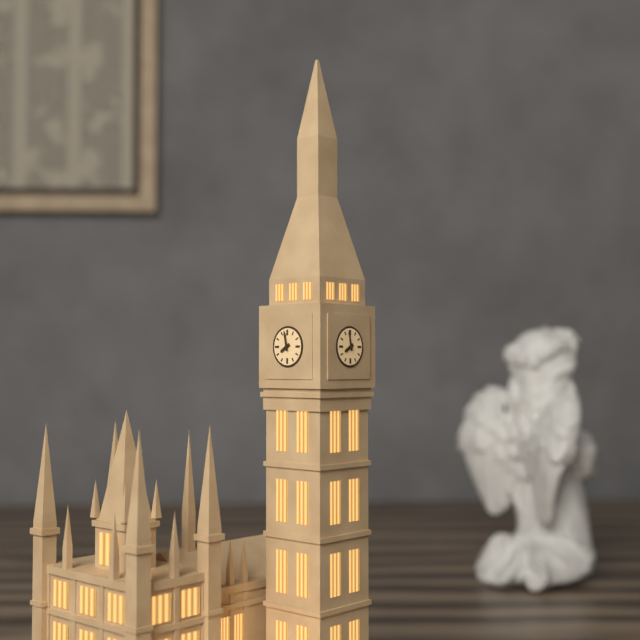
7:58
